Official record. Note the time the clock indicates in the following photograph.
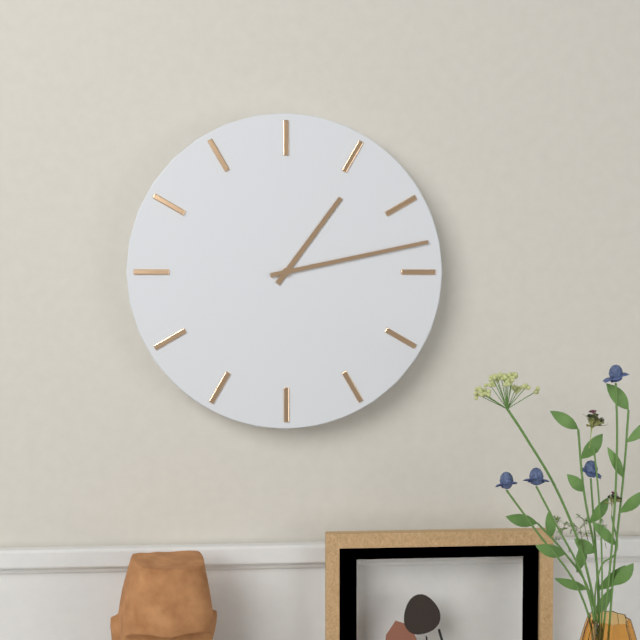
1:13
